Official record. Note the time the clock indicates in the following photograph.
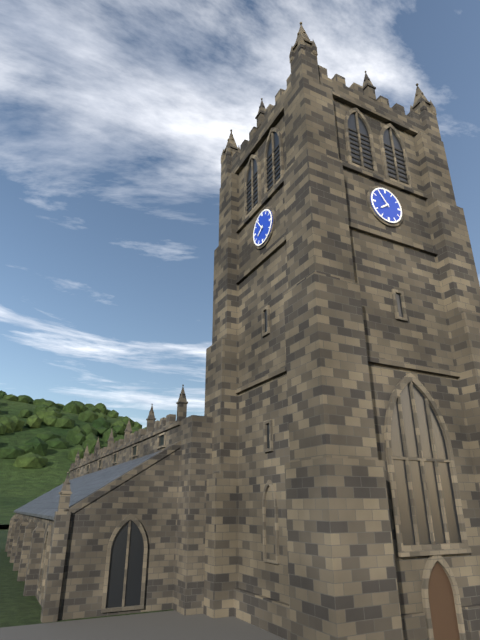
7:54
